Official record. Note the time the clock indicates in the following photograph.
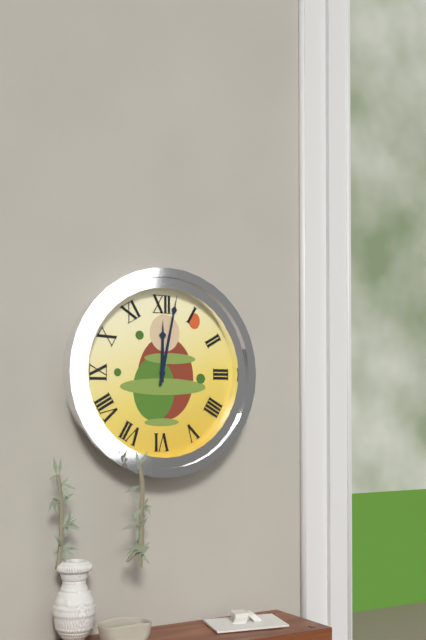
12:02
